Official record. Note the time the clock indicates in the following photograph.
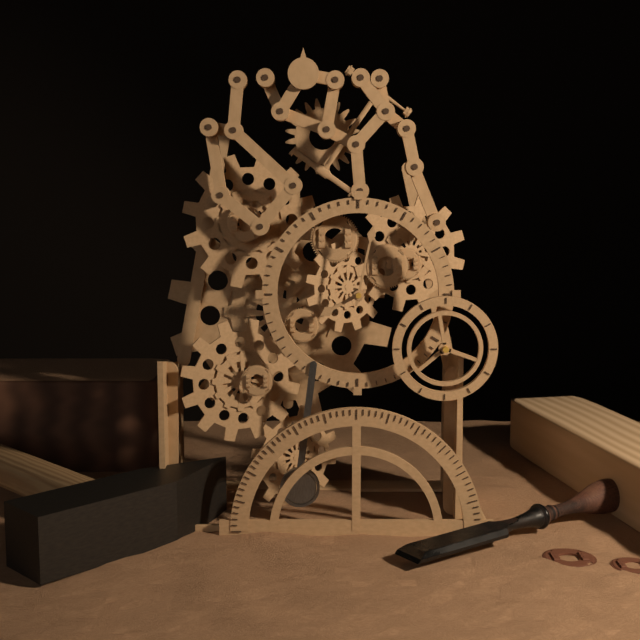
8:02
